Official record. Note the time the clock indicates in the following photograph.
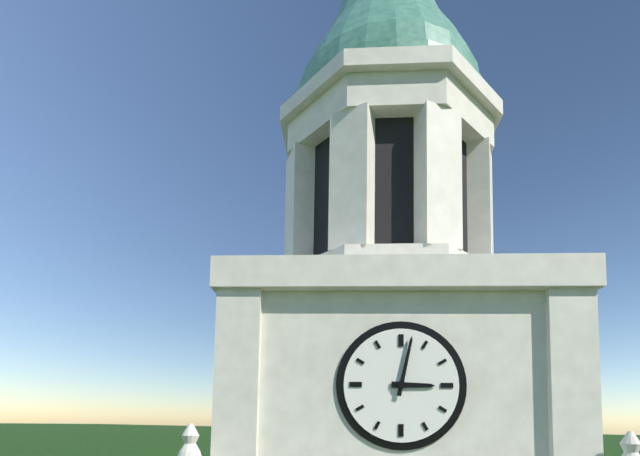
3:02
